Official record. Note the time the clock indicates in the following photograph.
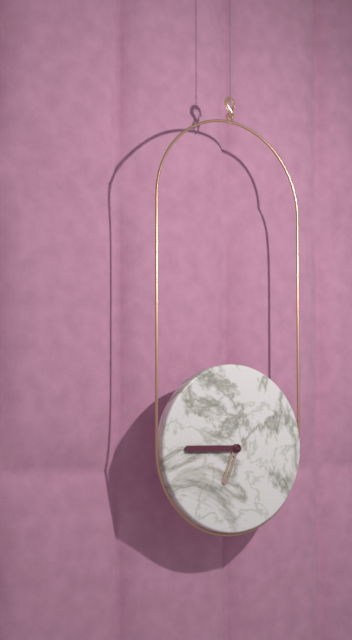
6:45
